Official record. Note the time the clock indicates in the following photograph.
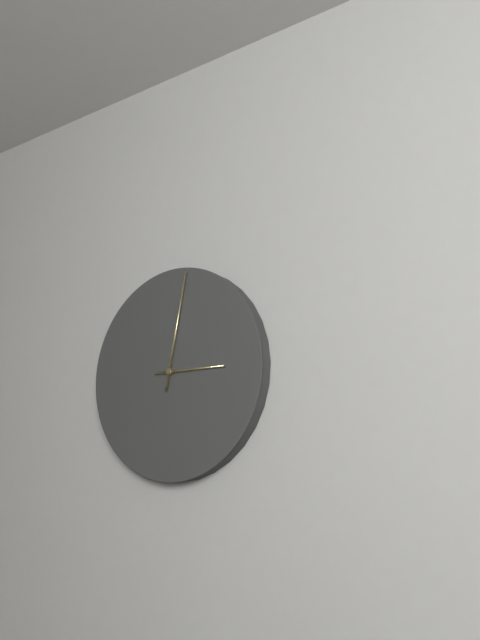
3:02
